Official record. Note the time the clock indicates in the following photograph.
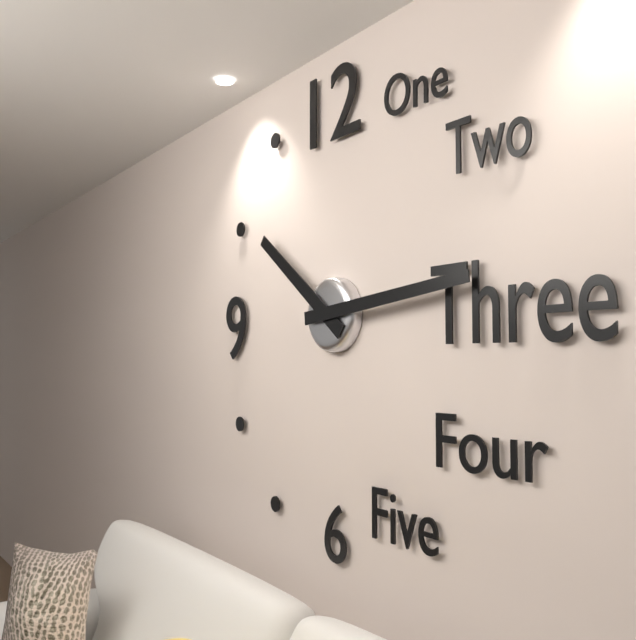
10:14
